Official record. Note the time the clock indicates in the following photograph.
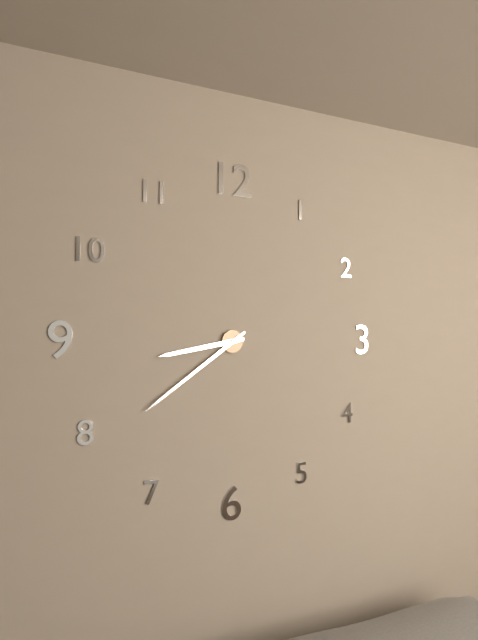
8:39
